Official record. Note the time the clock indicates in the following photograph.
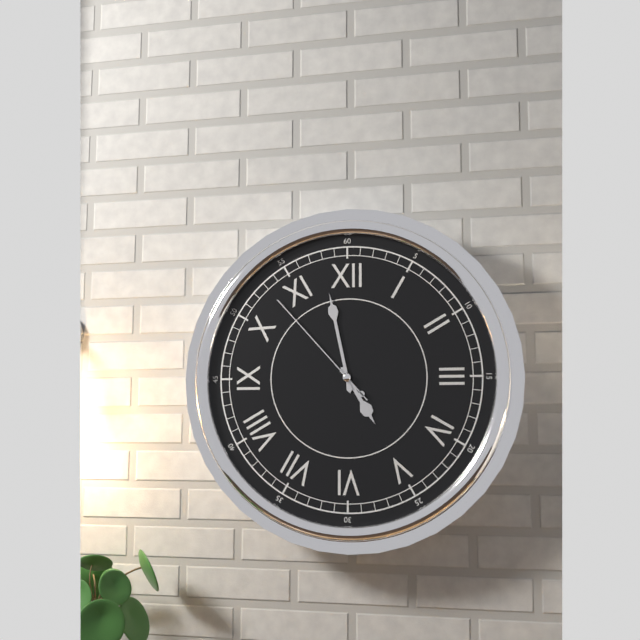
4:58:53
